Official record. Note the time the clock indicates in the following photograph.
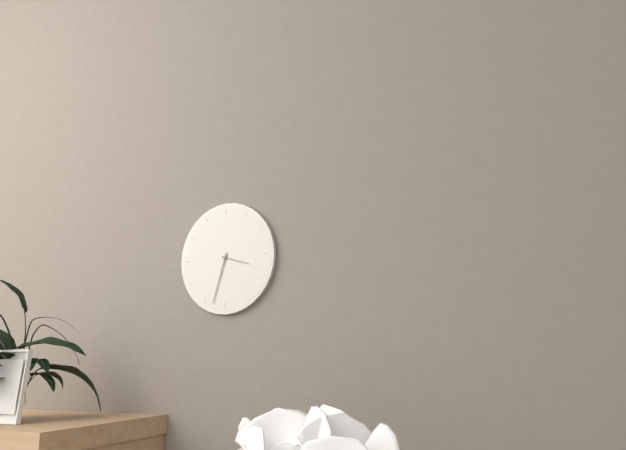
3:33
